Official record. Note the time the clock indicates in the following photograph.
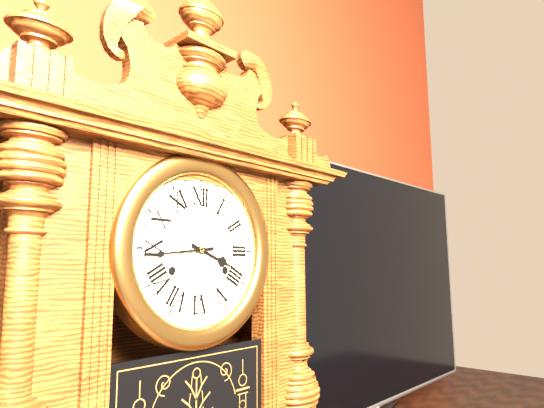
3:44
